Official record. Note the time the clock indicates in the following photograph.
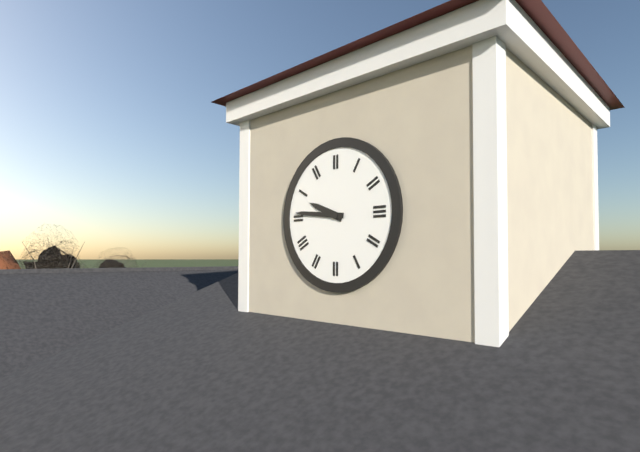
9:46
